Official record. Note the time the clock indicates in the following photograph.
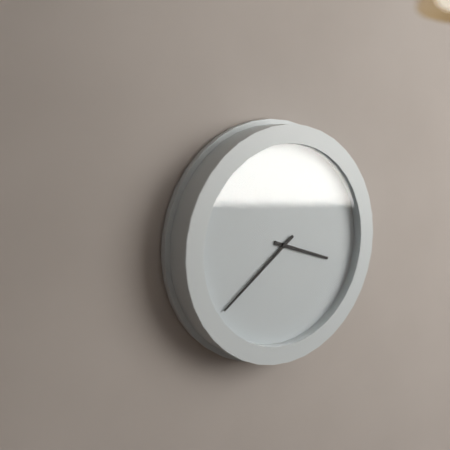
3:39
